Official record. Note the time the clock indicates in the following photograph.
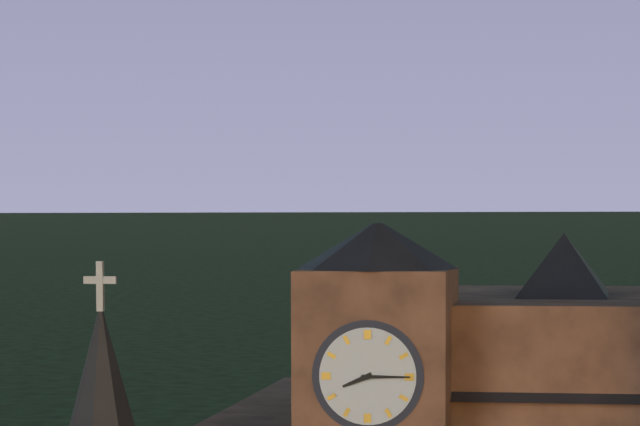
8:15
